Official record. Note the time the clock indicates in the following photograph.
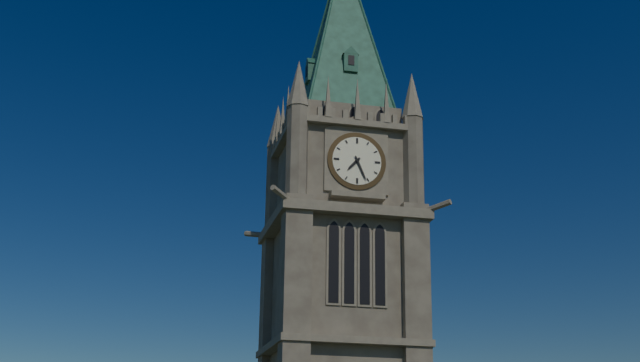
7:26
